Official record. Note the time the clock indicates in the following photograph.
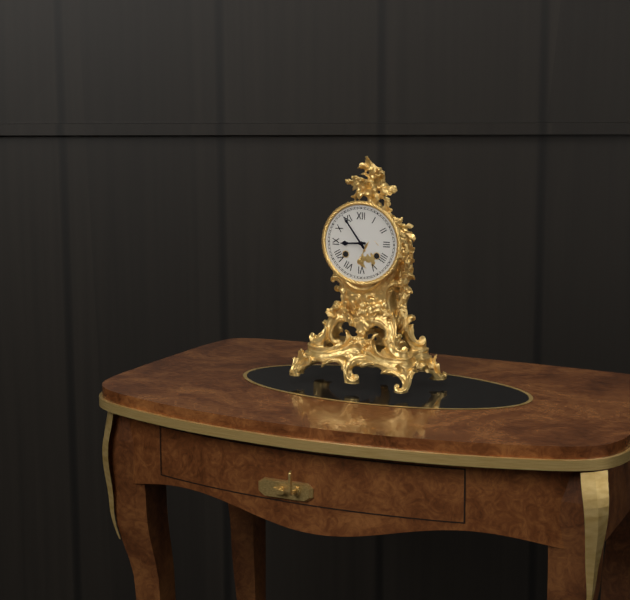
8:54
